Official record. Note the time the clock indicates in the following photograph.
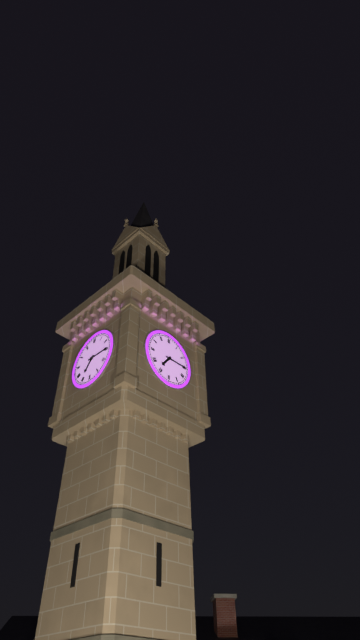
7:15
